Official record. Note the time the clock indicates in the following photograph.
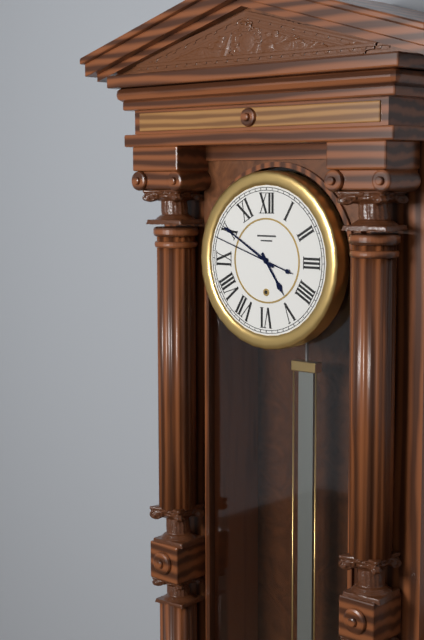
4:50:48
